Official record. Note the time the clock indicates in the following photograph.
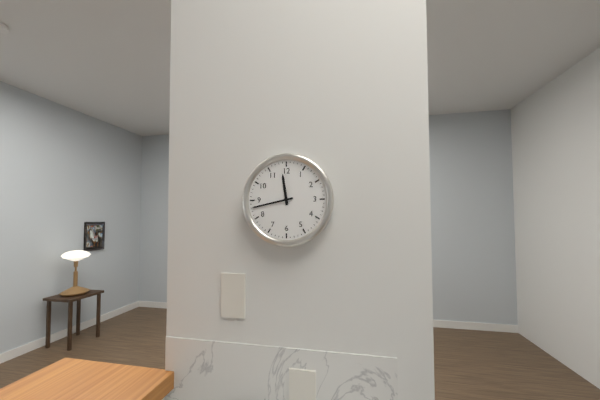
11:43
